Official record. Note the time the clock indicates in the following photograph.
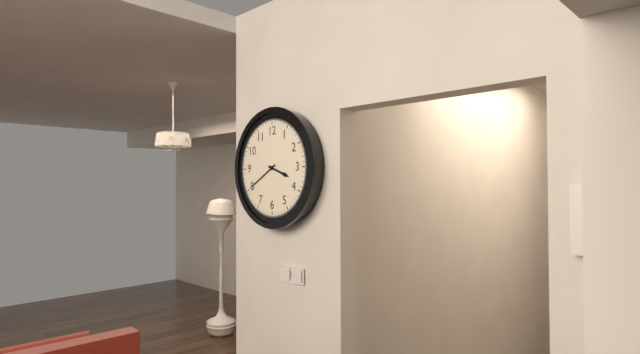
3:40
